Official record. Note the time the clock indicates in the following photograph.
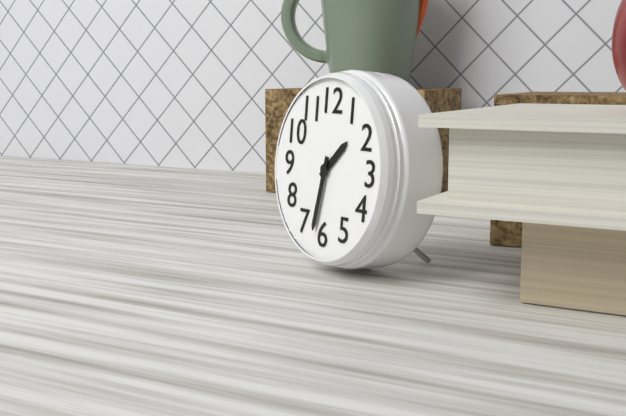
1:32
